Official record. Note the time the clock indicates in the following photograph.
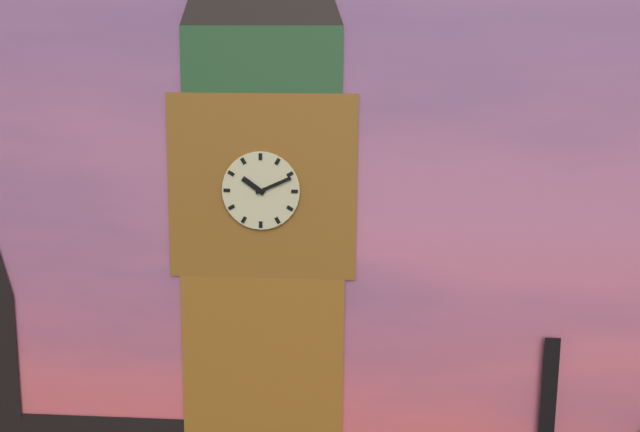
10:11
